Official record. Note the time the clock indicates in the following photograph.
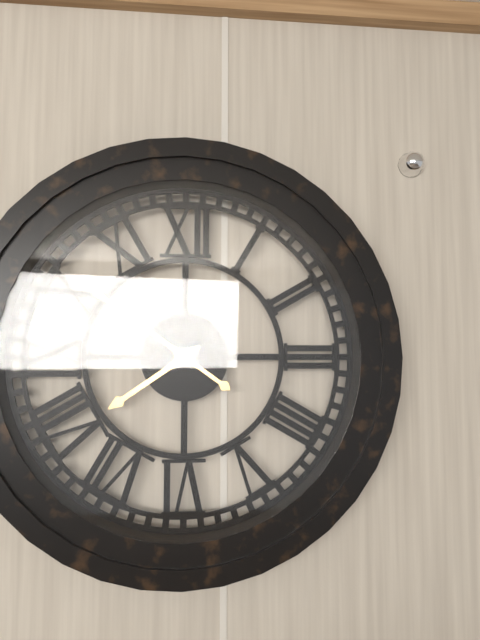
7:51
